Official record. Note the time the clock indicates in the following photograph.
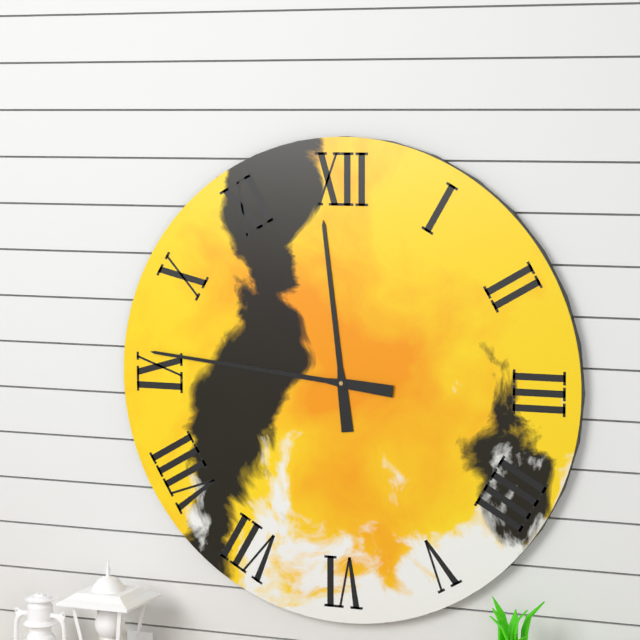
11:46
